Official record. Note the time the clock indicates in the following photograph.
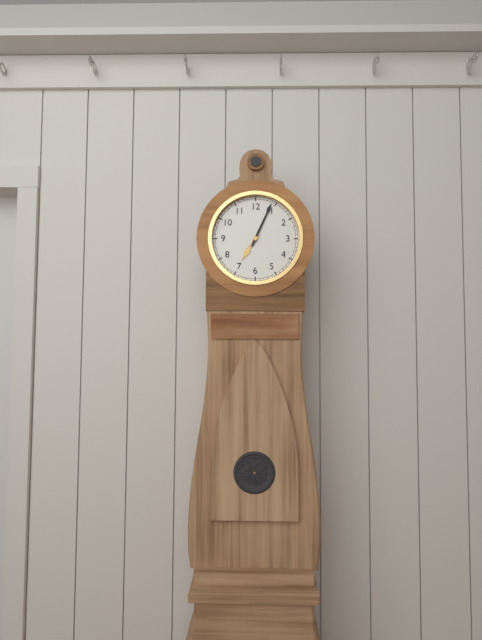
7:04
